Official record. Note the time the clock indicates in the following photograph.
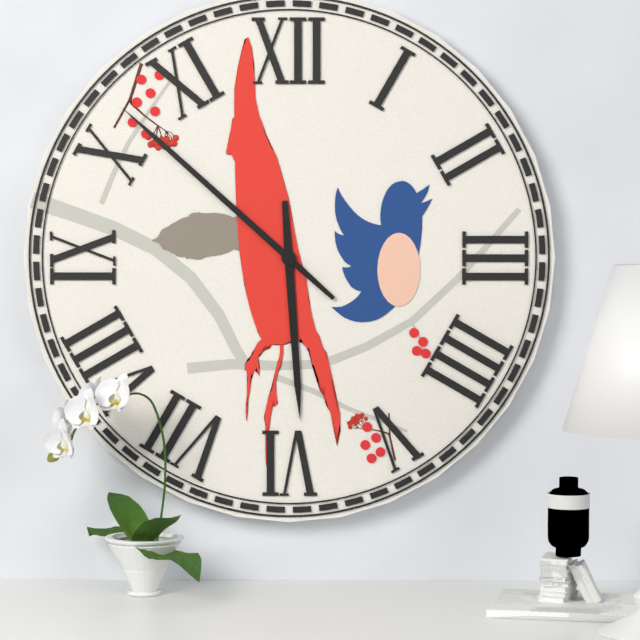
5:52
